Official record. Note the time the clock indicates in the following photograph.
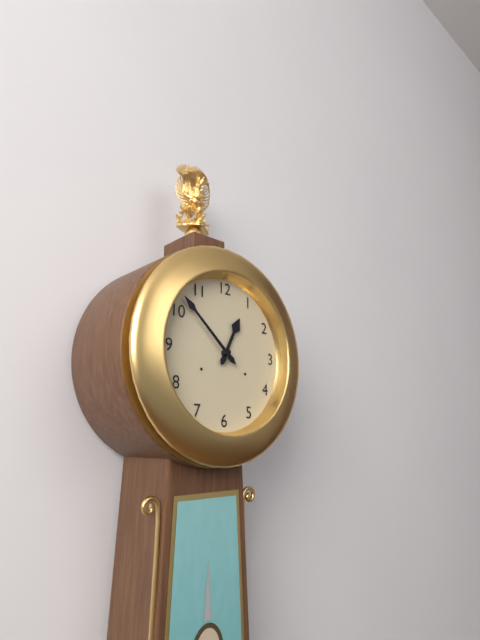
12:52
